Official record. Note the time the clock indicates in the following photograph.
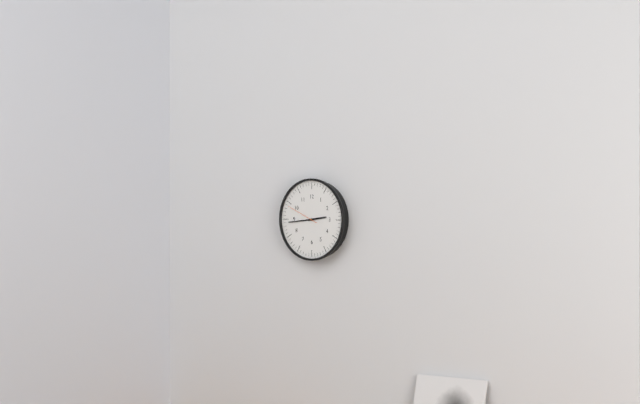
2:44
